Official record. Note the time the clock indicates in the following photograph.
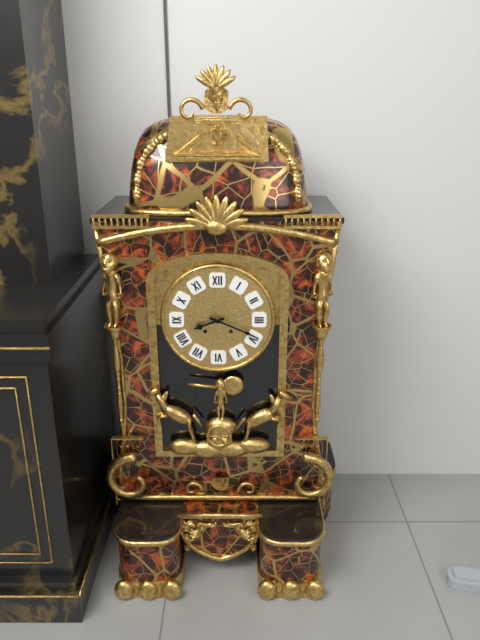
8:19
